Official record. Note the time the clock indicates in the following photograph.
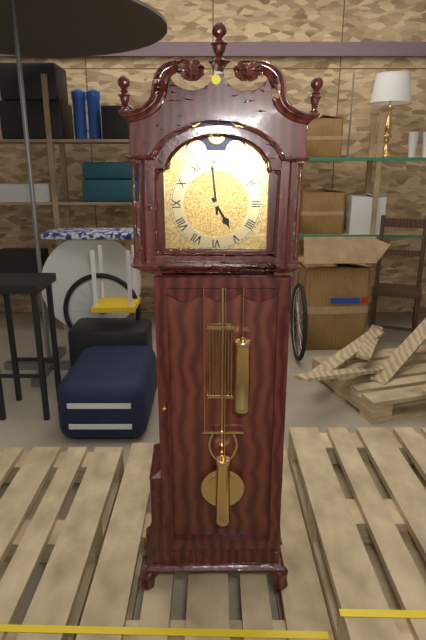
4:59
